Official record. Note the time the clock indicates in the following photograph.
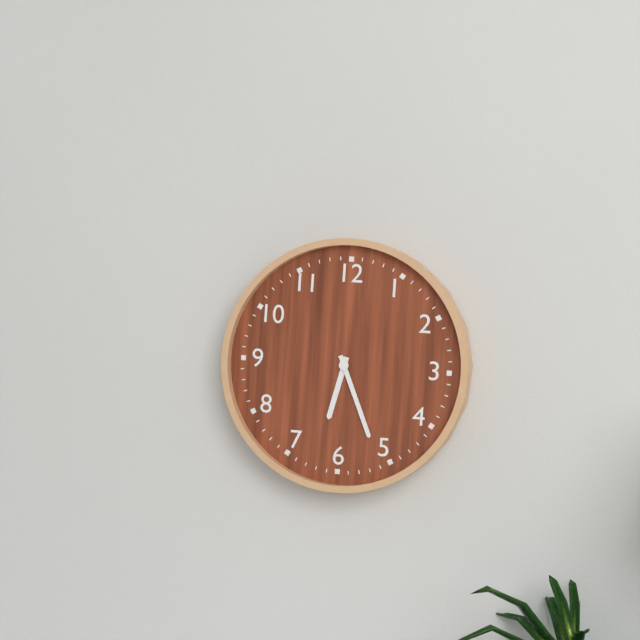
6:26
